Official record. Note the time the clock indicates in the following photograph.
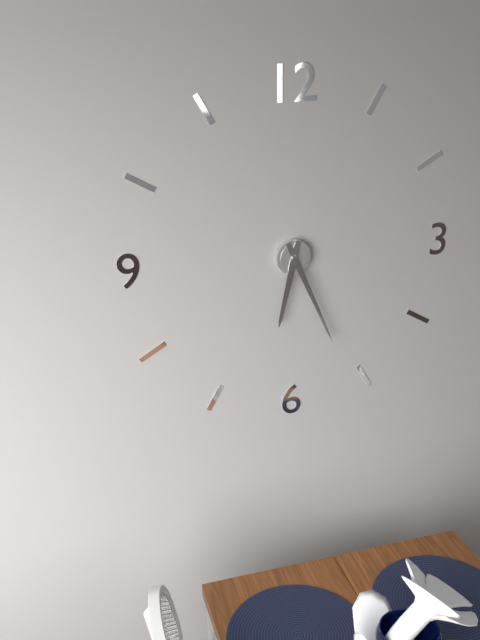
6:26
